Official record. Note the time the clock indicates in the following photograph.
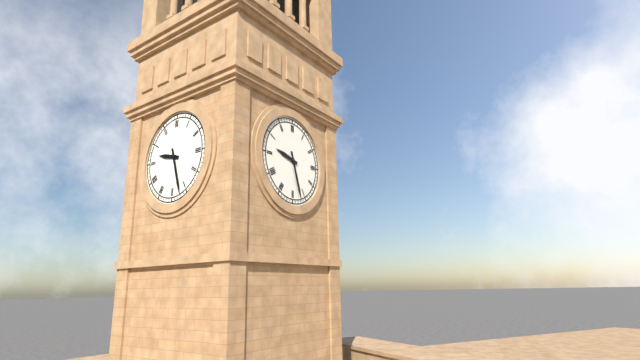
9:27
